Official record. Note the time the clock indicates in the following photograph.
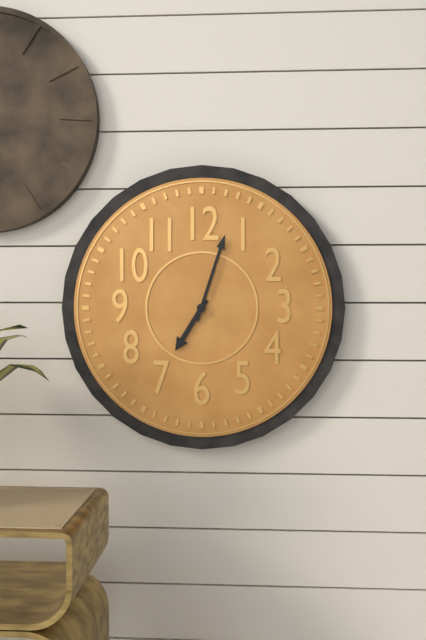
7:03
